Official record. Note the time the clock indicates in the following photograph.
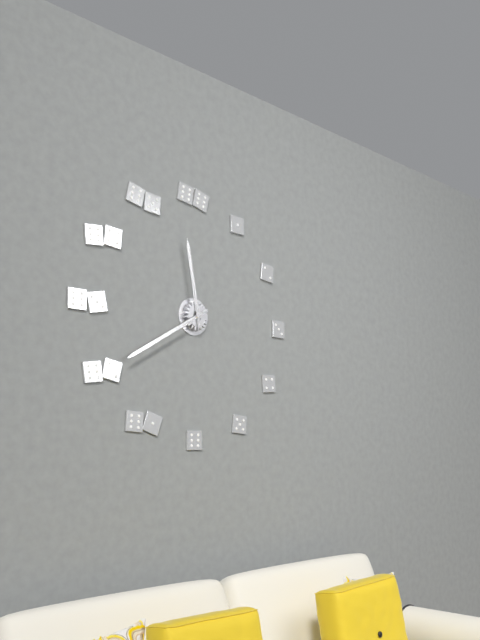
11:40
